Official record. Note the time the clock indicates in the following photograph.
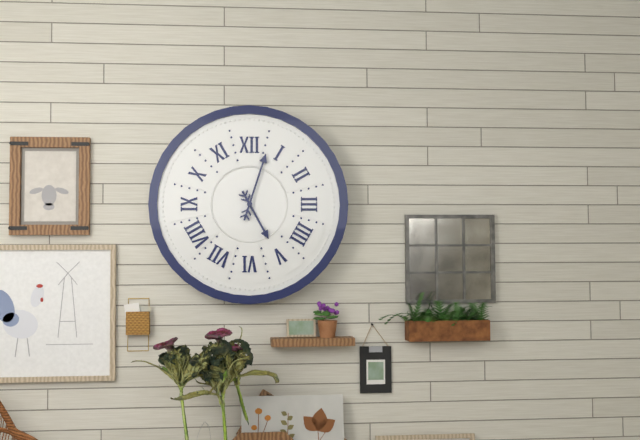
5:03
